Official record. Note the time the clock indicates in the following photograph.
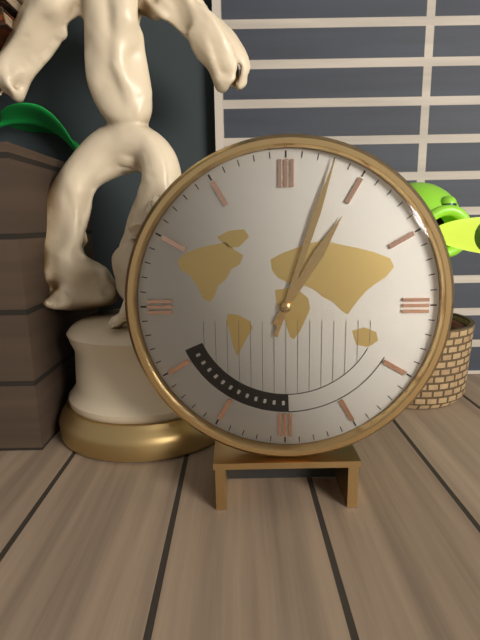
1:03
